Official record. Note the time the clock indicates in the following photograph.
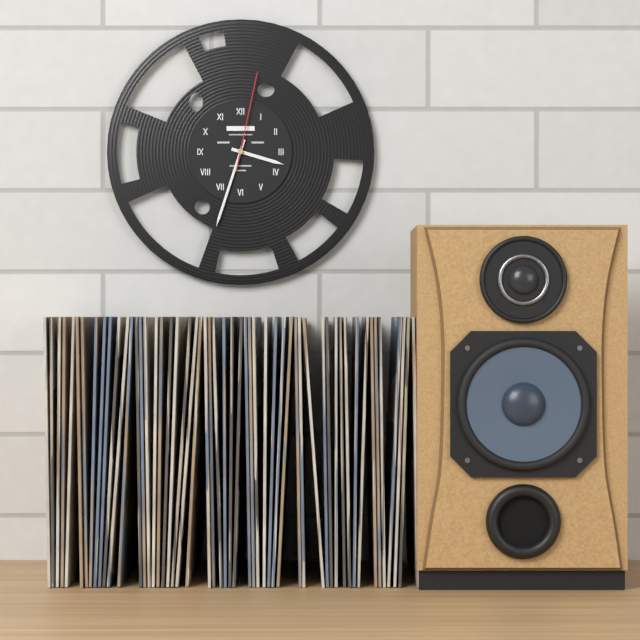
3:33:02
